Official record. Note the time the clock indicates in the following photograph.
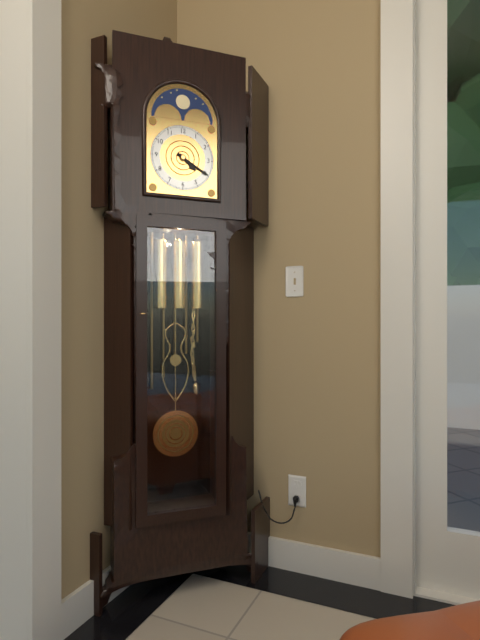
4:20
